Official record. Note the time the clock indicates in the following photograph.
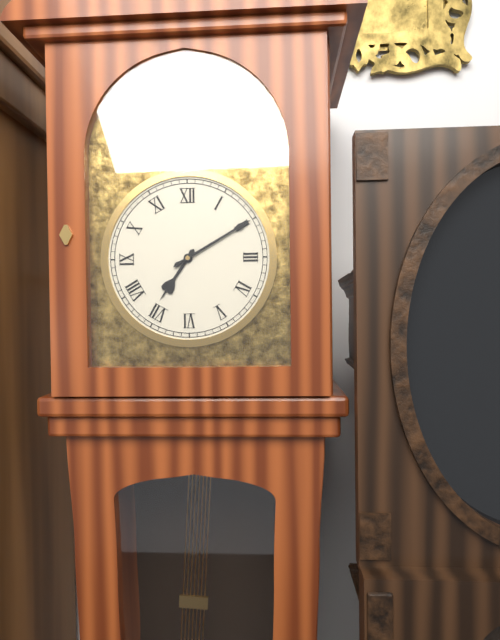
7:10
